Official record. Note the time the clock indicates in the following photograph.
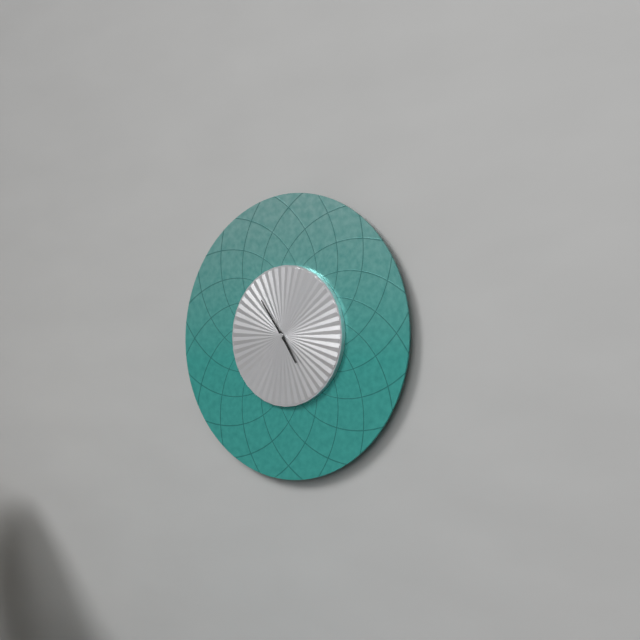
4:54
